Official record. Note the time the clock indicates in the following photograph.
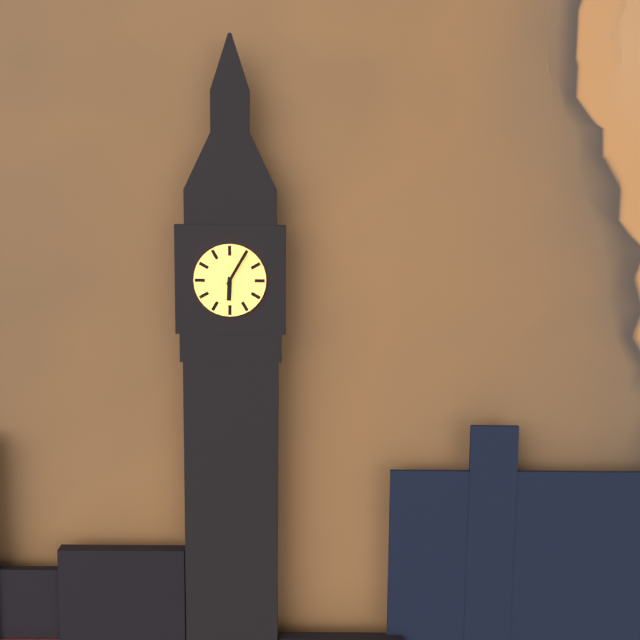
6:05
